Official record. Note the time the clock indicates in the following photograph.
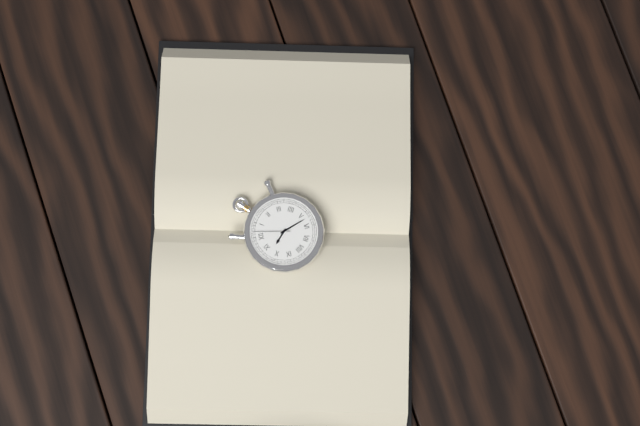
10:27
